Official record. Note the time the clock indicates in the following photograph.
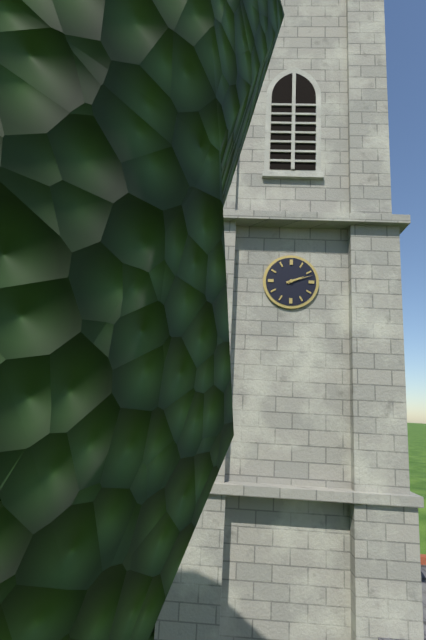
2:12
